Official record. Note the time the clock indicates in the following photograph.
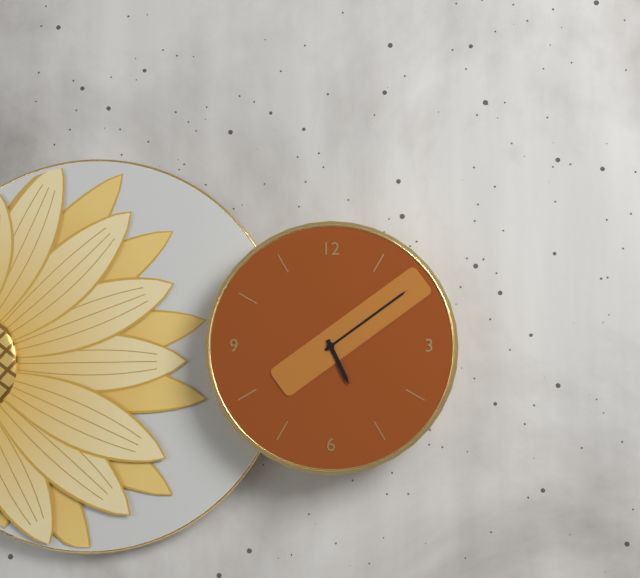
5:09
